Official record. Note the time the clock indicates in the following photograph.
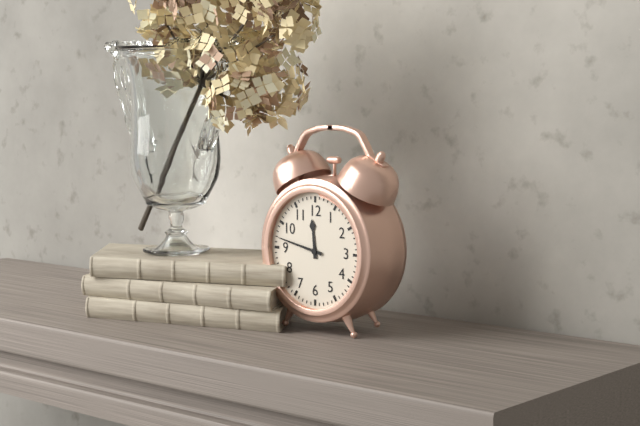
11:47
